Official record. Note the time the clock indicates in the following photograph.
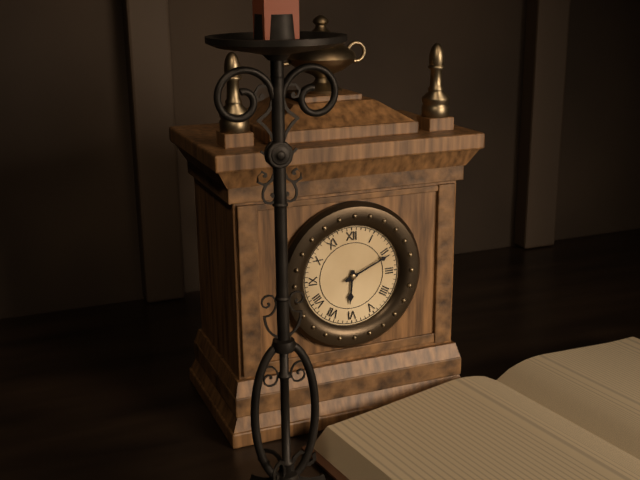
6:11
